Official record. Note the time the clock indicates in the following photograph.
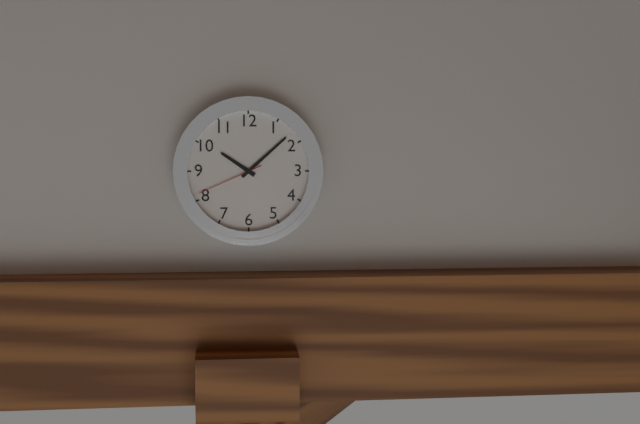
10:08:41
